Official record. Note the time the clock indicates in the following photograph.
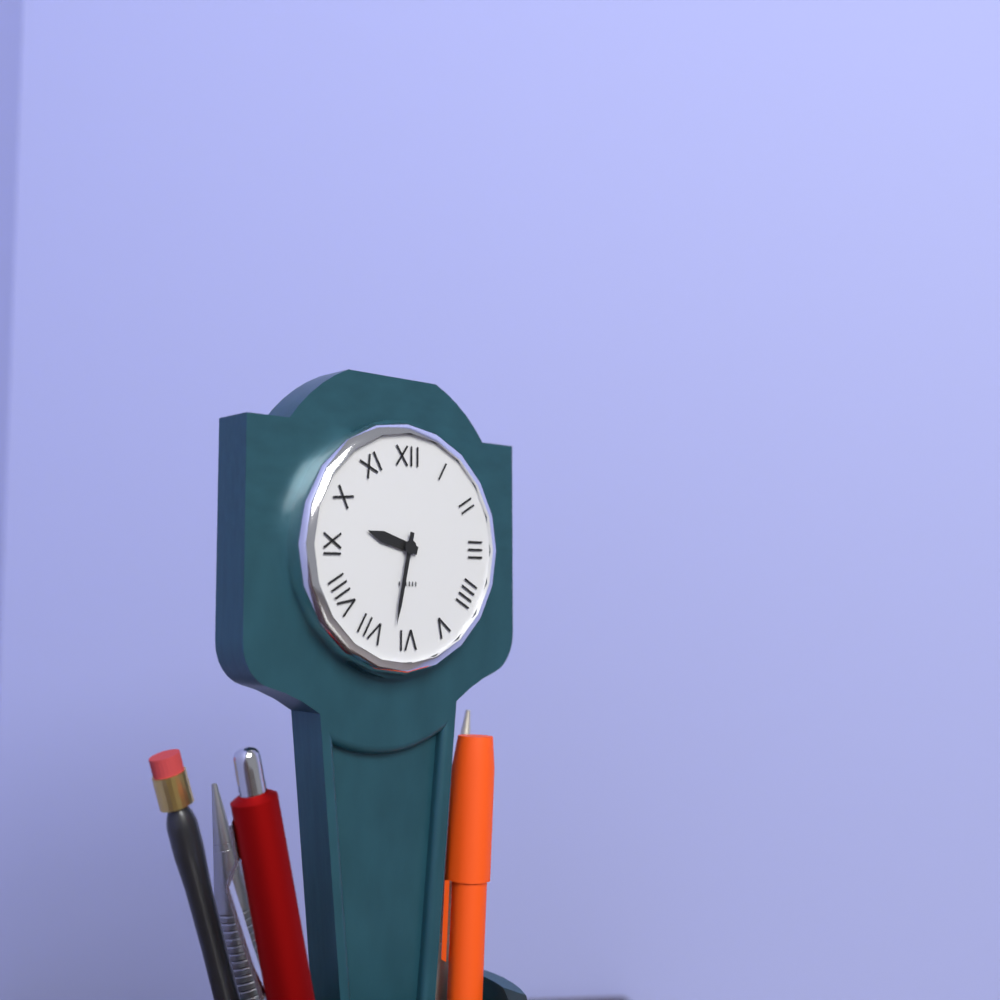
9:32
